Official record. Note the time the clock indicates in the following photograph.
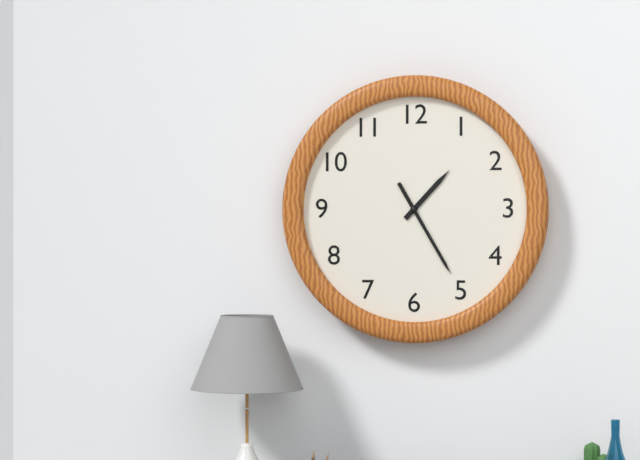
1:25
